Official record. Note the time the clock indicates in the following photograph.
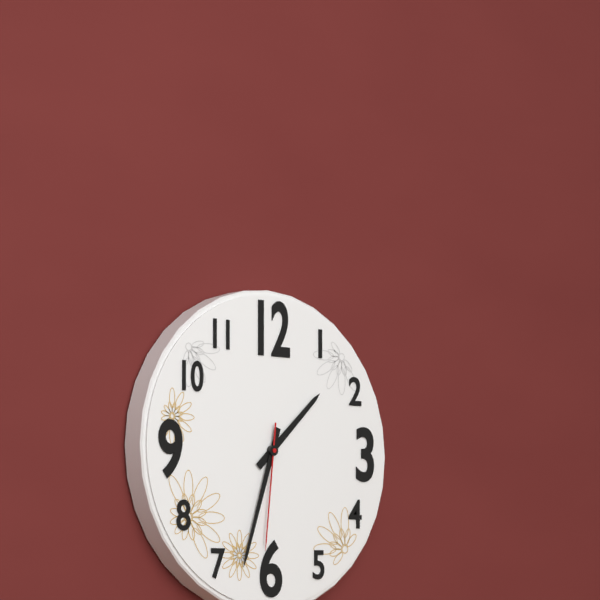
1:33:31
